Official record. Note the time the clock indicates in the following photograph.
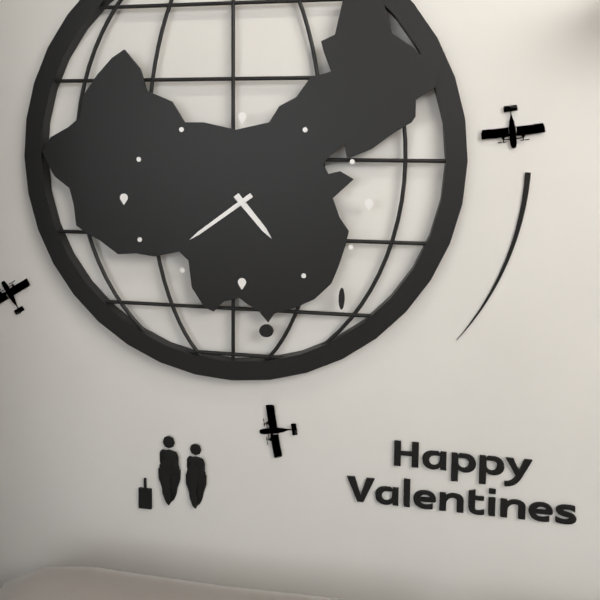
4:39
